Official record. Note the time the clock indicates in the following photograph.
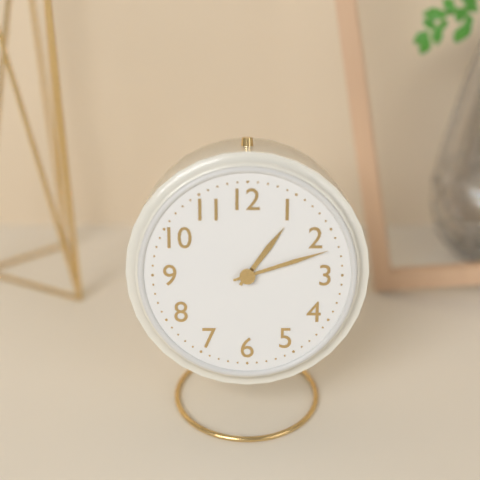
1:12
